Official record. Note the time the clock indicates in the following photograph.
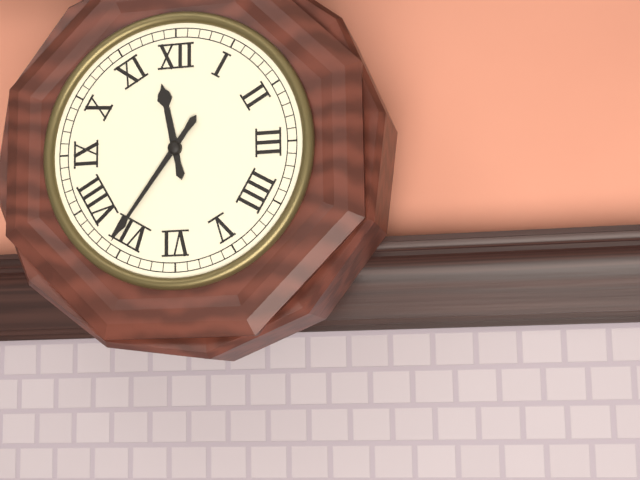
11:36
